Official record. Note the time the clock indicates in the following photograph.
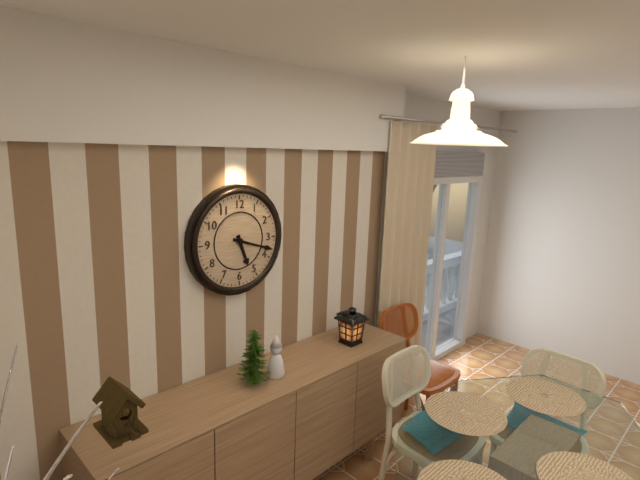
5:18
